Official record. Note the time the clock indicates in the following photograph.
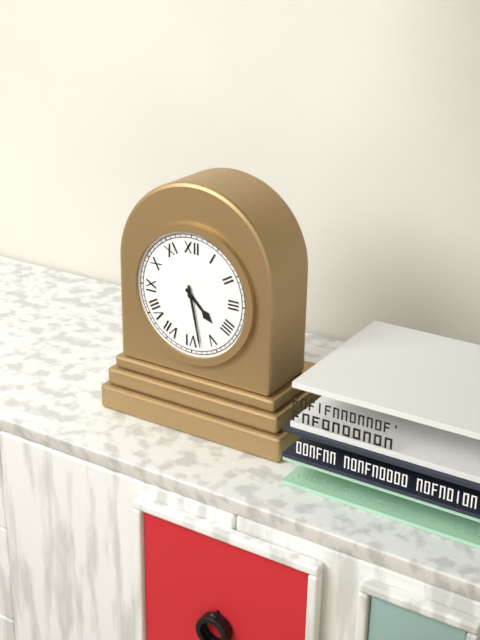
4:28
